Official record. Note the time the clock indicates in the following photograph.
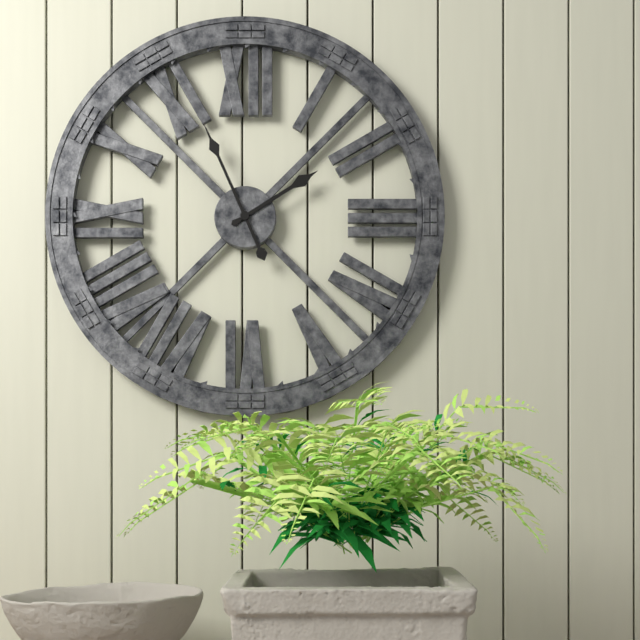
1:56
